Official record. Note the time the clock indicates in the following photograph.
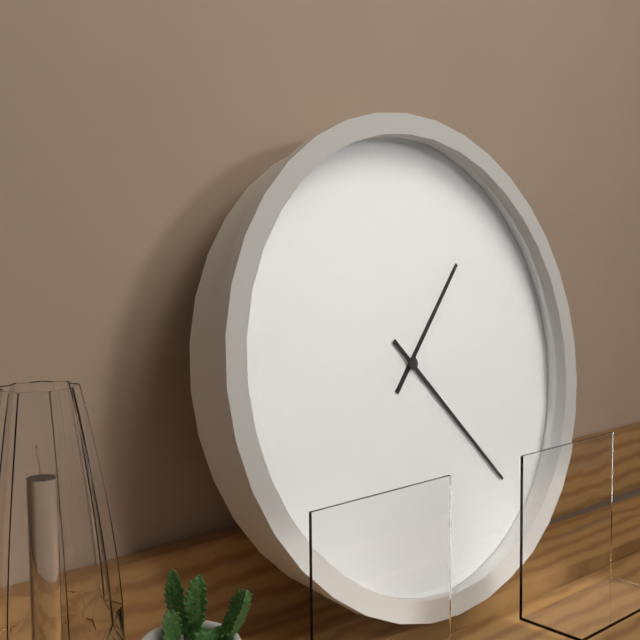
1:23
